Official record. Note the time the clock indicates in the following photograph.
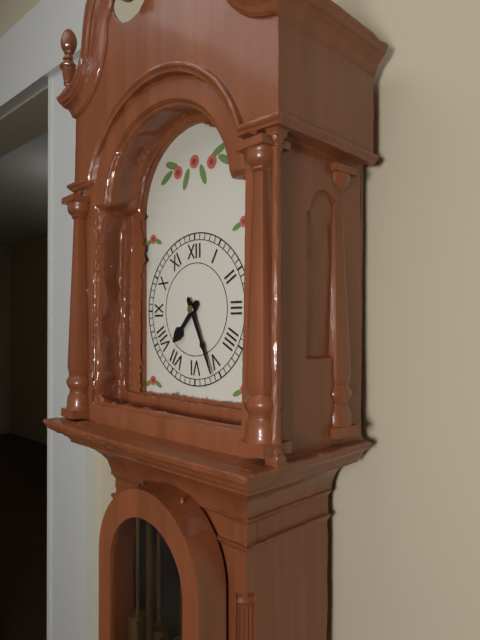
7:26
